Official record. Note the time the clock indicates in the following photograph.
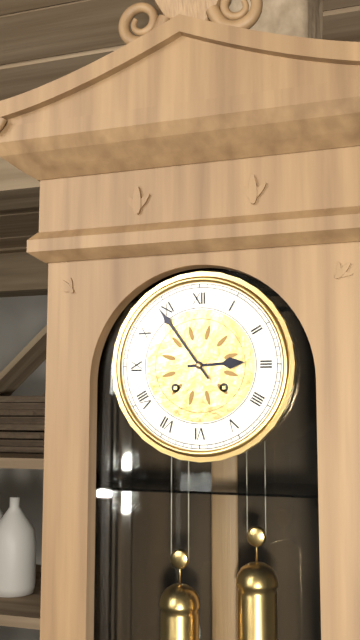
2:54
